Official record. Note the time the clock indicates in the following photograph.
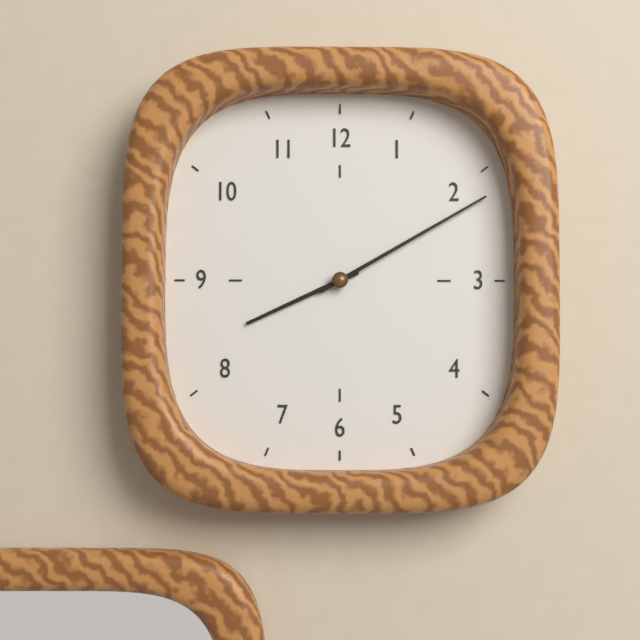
8:10
